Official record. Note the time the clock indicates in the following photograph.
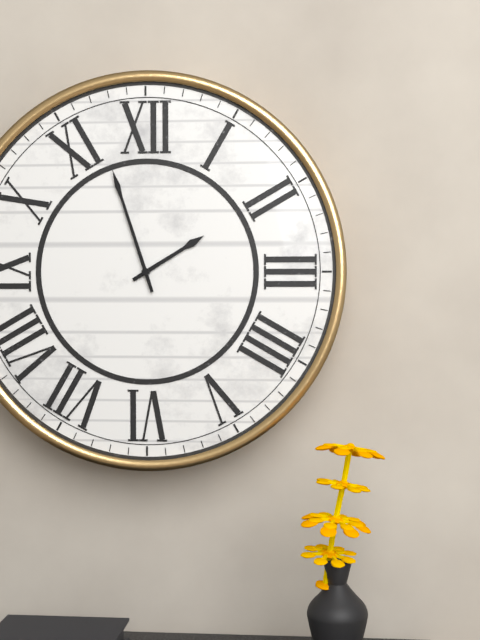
1:57
